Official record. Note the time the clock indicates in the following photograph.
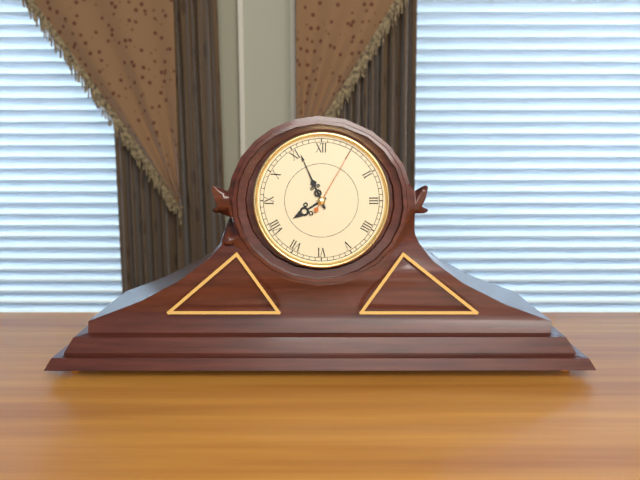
7:56:05
